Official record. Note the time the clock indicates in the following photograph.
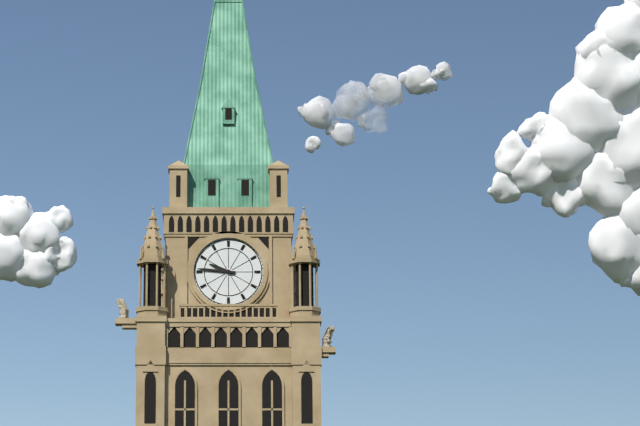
9:46
